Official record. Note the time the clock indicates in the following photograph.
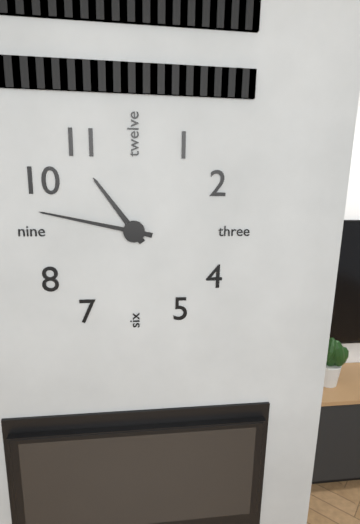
10:47
